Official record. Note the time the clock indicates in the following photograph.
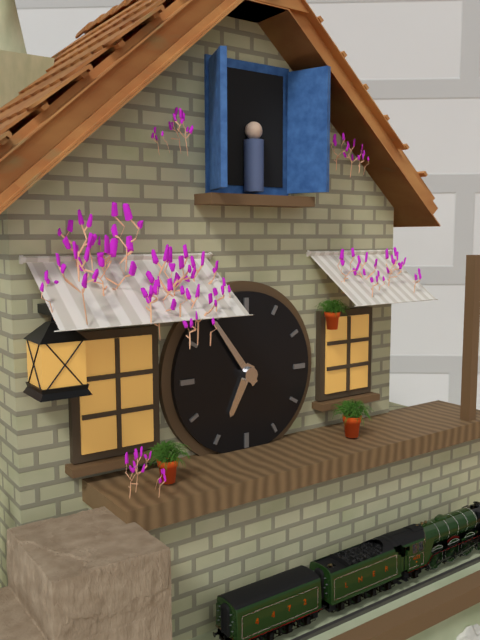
6:54
